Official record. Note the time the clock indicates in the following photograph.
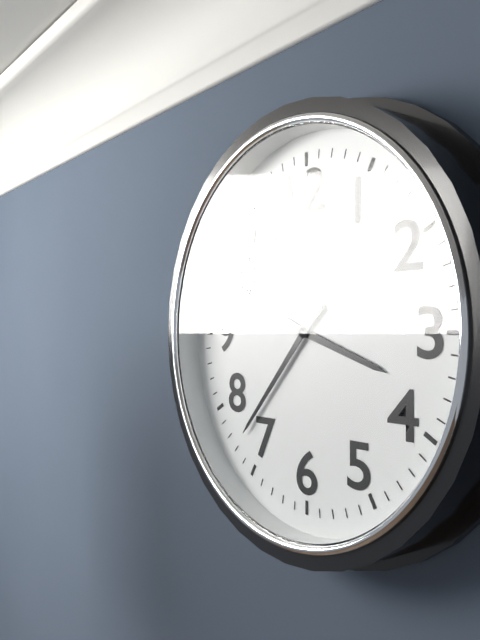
3:37
